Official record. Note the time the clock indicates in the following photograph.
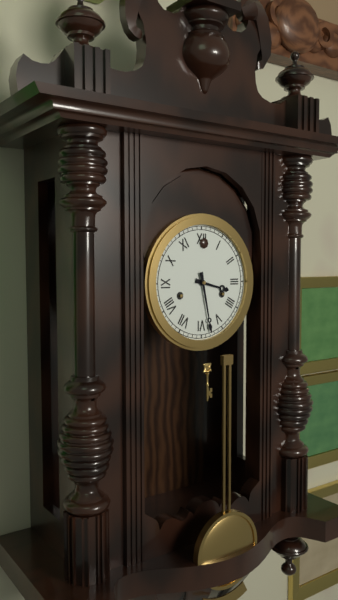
3:28
